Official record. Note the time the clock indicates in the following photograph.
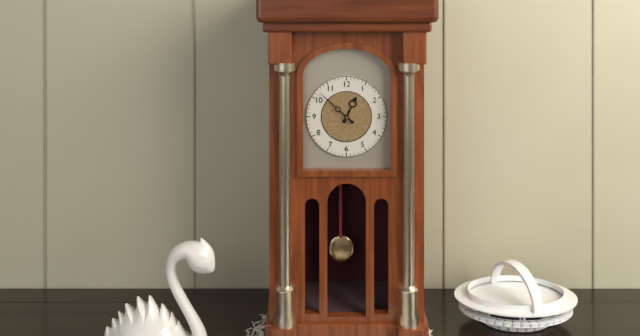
12:52
